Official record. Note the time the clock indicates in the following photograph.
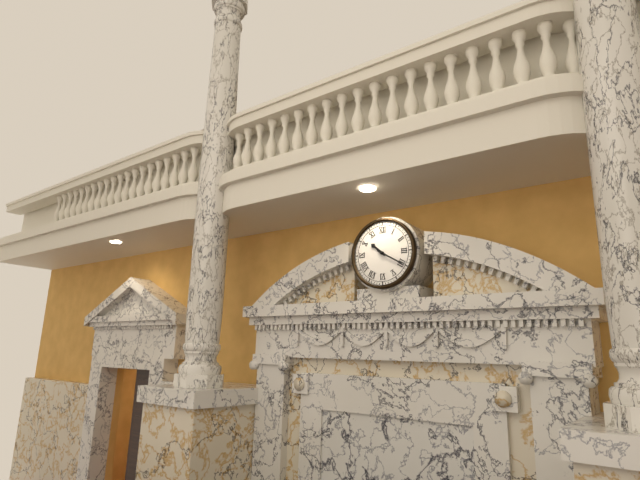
10:20
